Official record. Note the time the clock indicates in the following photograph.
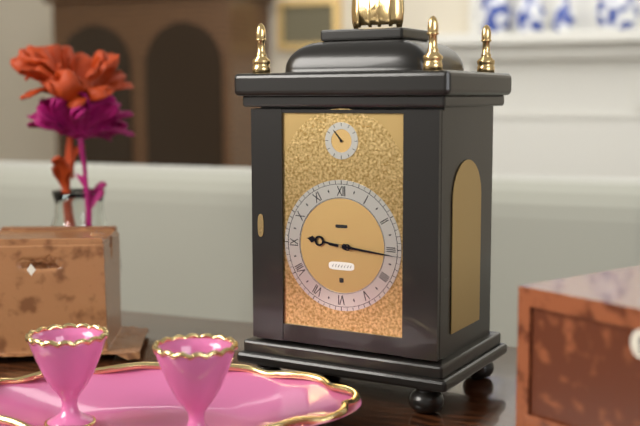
9:16
